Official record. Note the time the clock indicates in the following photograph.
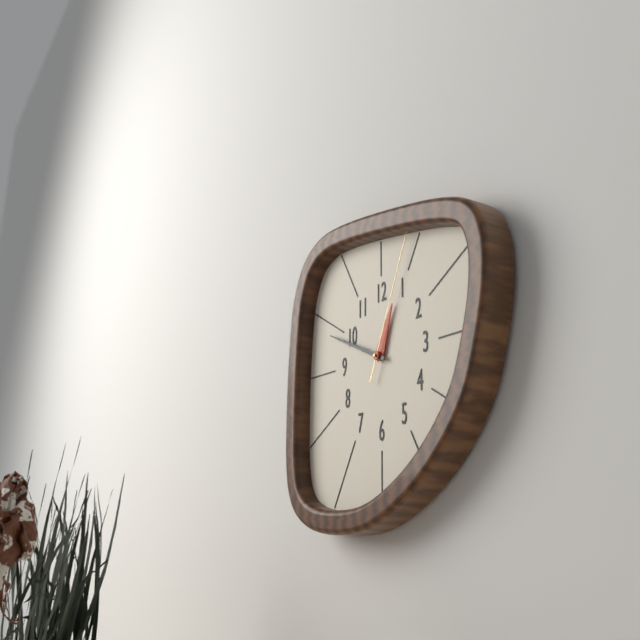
12:49:04
